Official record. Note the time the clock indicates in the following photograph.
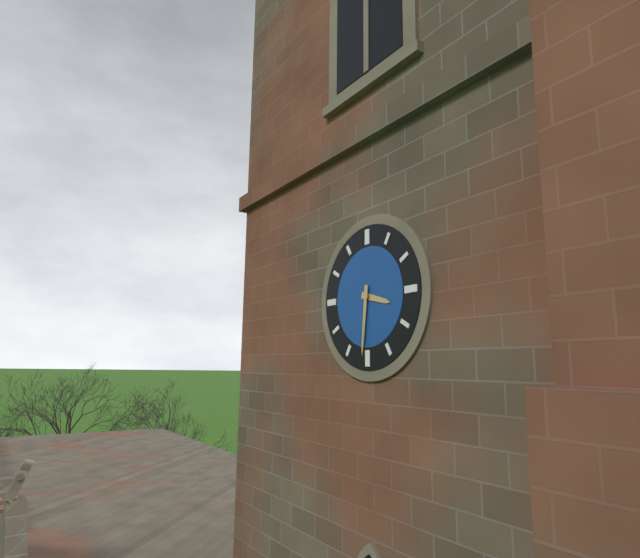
3:31
